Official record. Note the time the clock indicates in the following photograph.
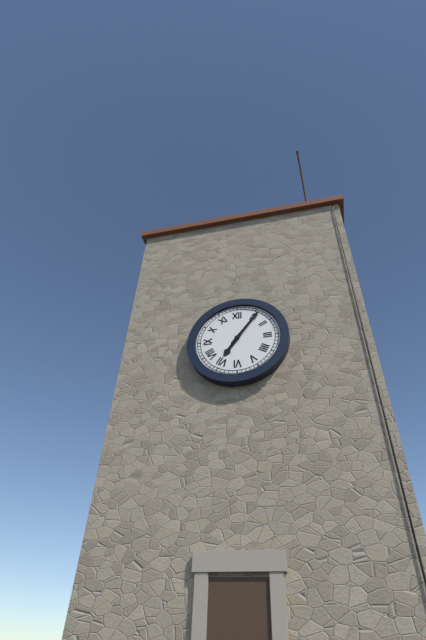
7:06
